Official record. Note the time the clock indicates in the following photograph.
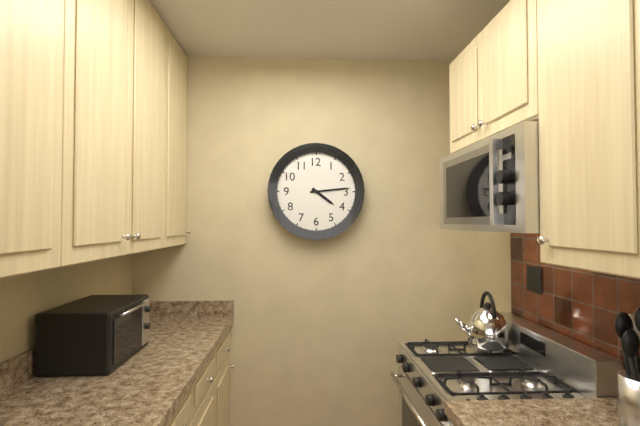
4:14
